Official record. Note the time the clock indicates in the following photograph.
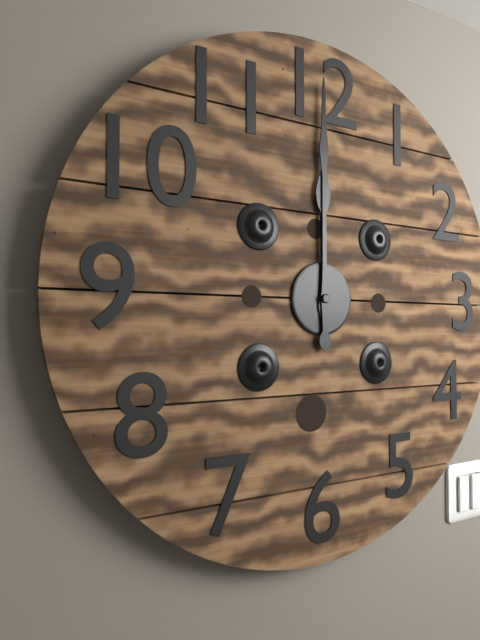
12:00
